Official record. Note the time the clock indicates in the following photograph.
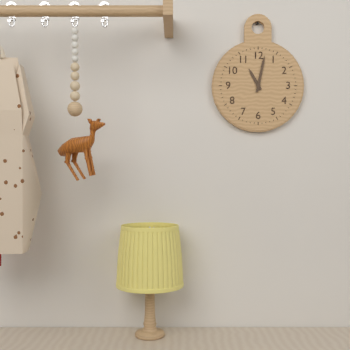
11:02
